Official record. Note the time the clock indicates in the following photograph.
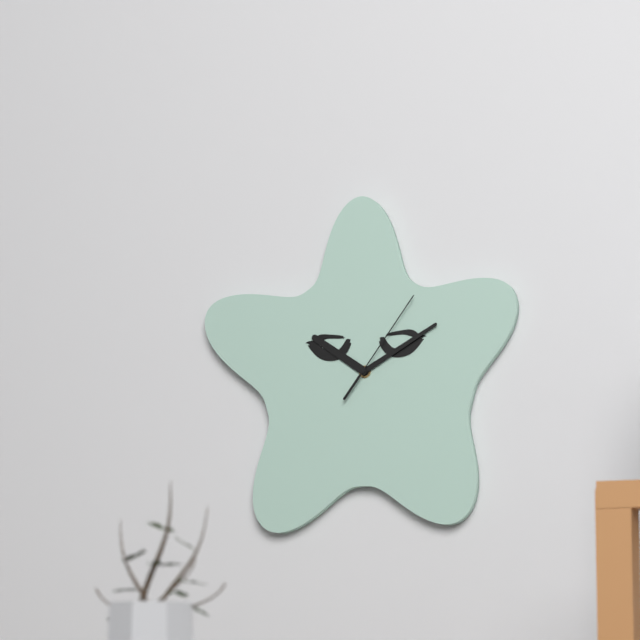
10:10:06
